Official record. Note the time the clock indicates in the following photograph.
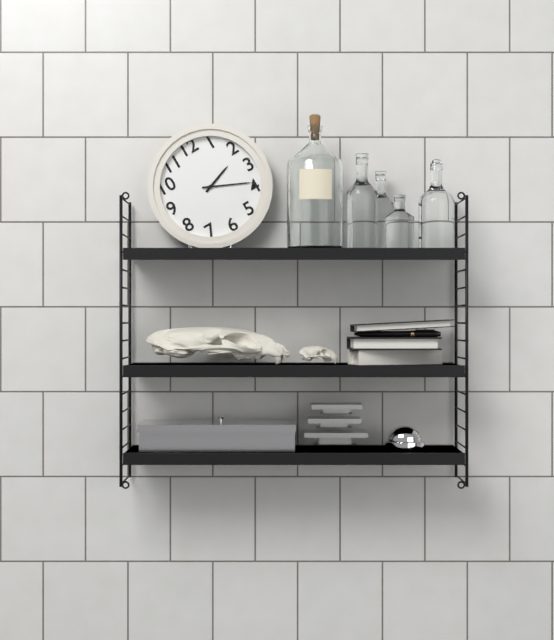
2:19
